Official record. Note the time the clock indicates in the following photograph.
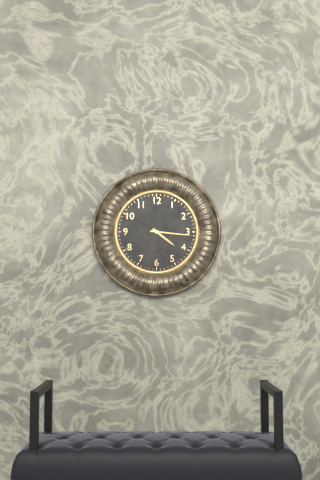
4:16
